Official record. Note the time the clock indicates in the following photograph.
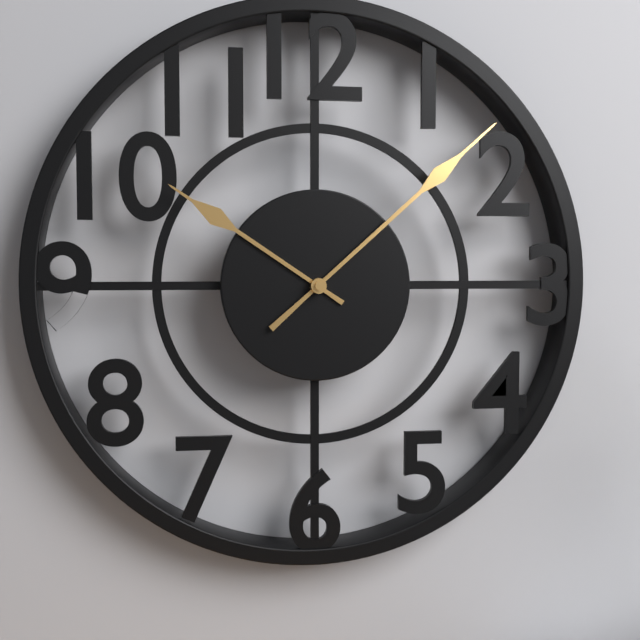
10:08
